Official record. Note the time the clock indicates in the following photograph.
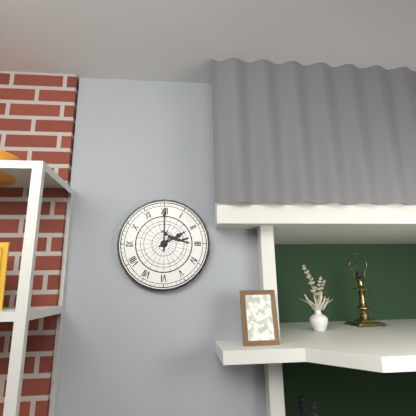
2:00
